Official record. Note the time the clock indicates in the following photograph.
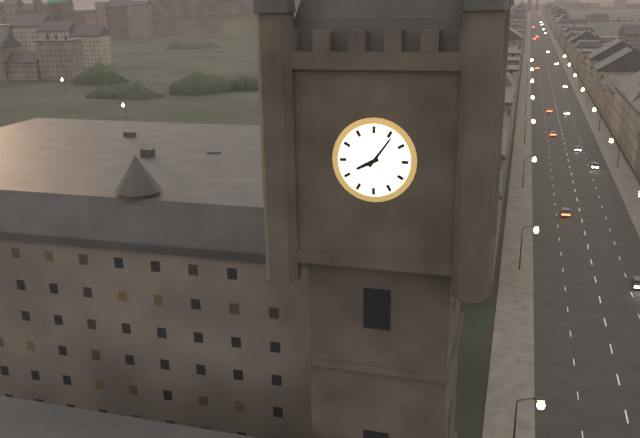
8:06
